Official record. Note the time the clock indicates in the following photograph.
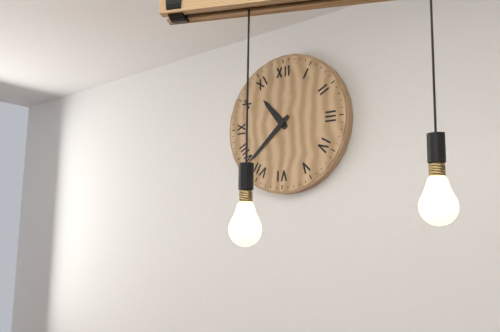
10:38
